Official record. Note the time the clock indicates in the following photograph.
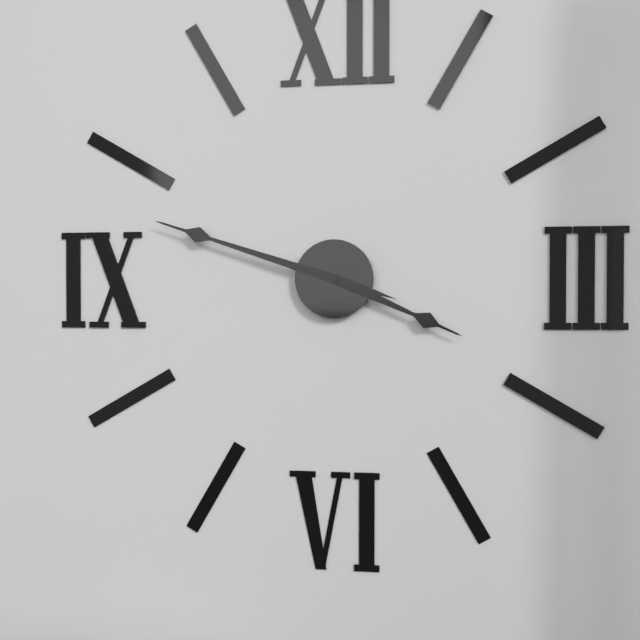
3:48
